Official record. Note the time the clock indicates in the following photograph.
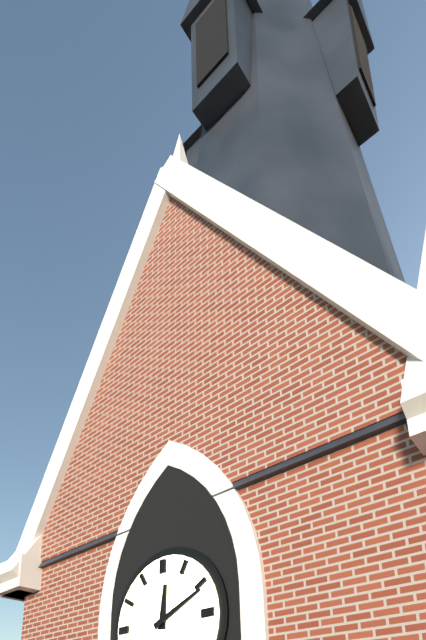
12:11
